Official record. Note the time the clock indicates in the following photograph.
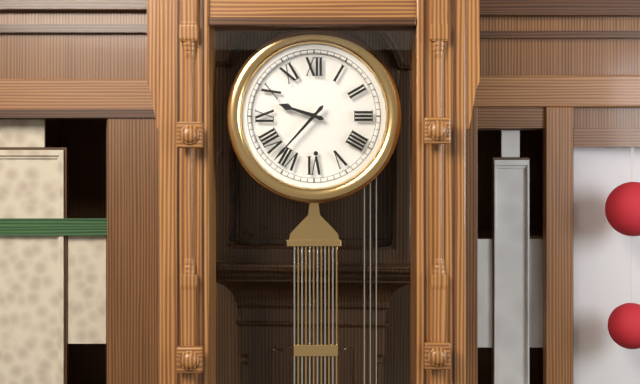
9:37
